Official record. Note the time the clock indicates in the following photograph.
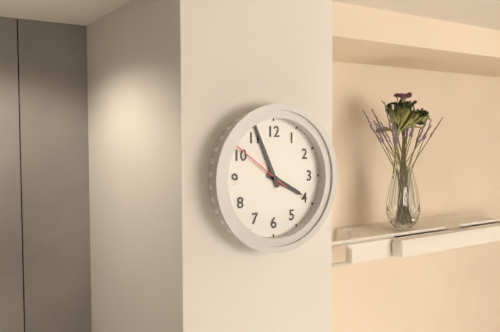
3:56:51
